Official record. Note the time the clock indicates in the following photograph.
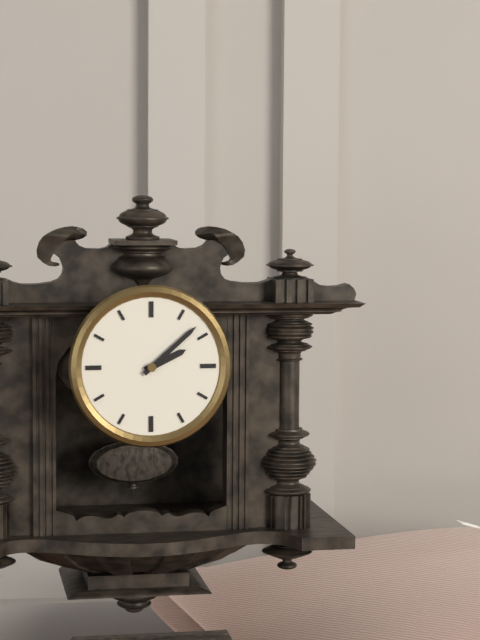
2:08
